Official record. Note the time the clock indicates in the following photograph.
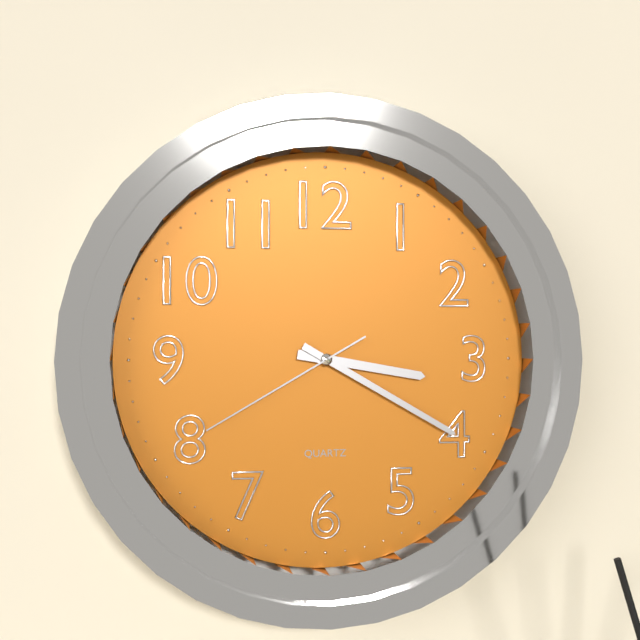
3:20:40
